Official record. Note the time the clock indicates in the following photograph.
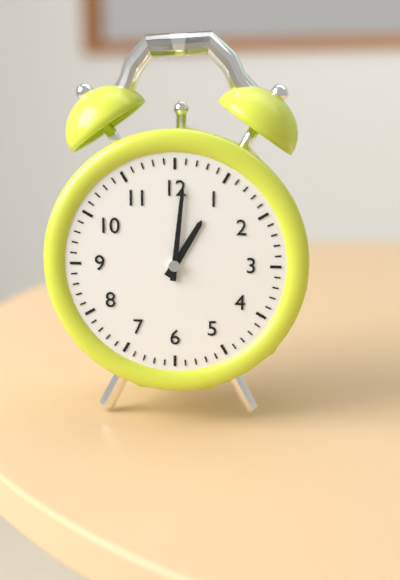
1:01
